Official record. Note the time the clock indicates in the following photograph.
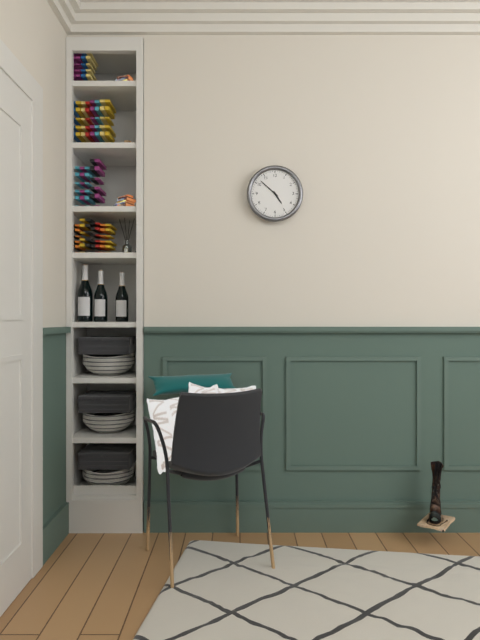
4:52
